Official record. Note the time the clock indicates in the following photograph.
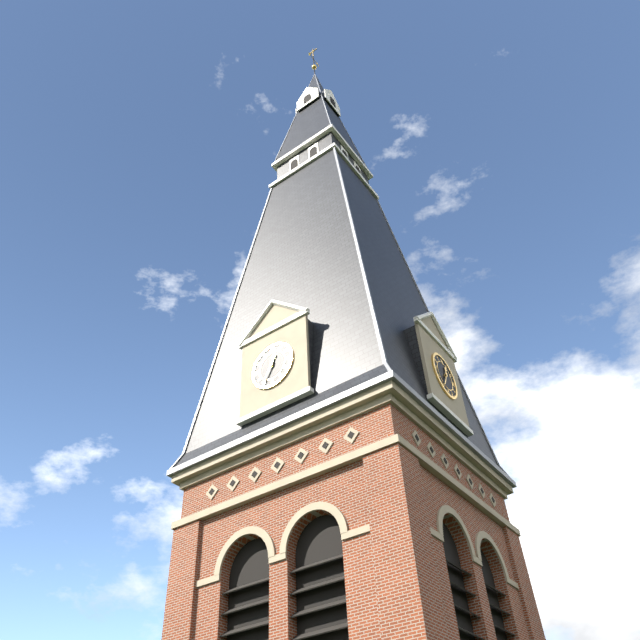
12:35
